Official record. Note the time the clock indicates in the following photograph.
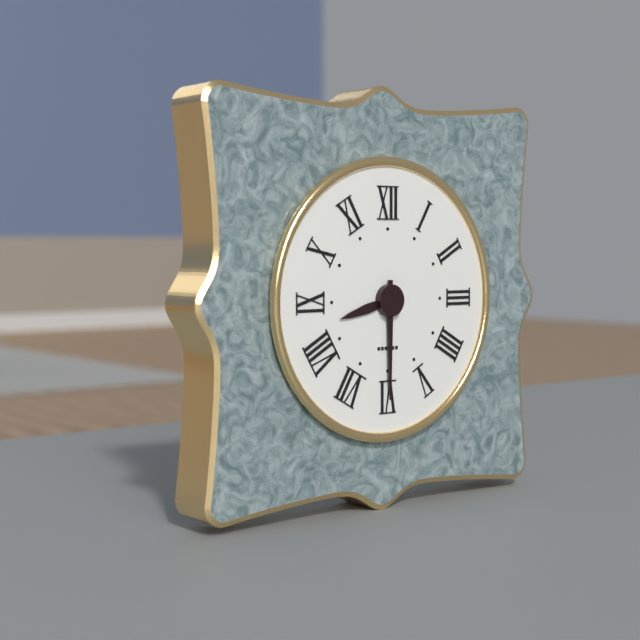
8:30
